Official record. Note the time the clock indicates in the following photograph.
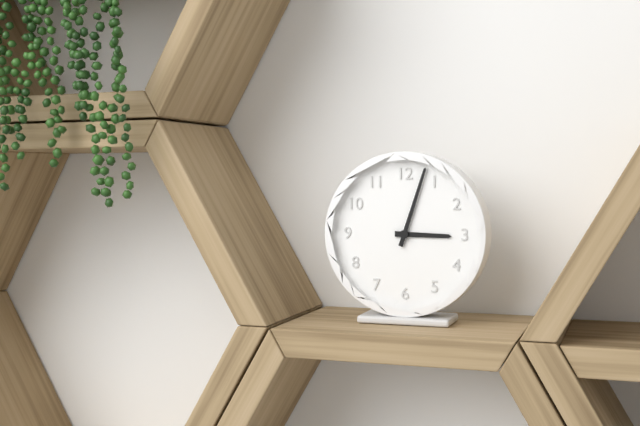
3:03
